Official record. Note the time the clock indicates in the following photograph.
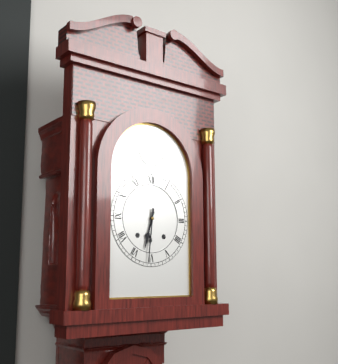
6:31
